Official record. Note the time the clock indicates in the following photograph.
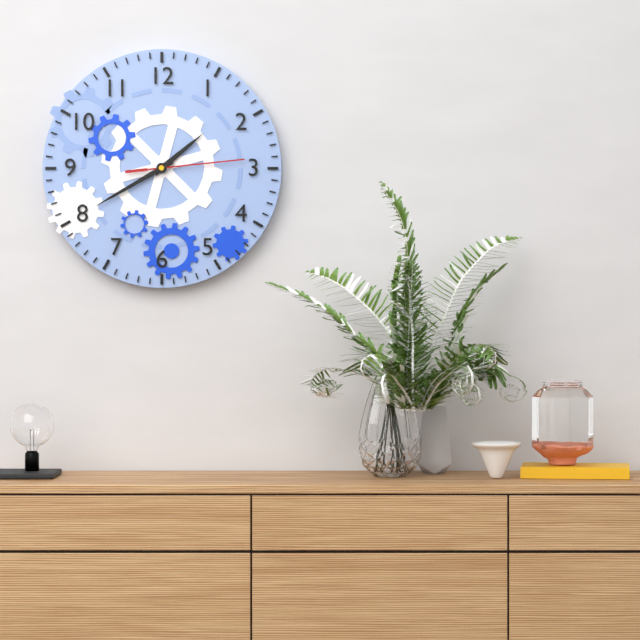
1:40:14
